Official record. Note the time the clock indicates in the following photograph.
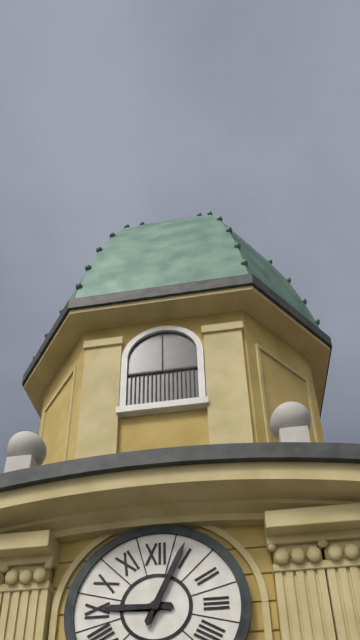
9:04
